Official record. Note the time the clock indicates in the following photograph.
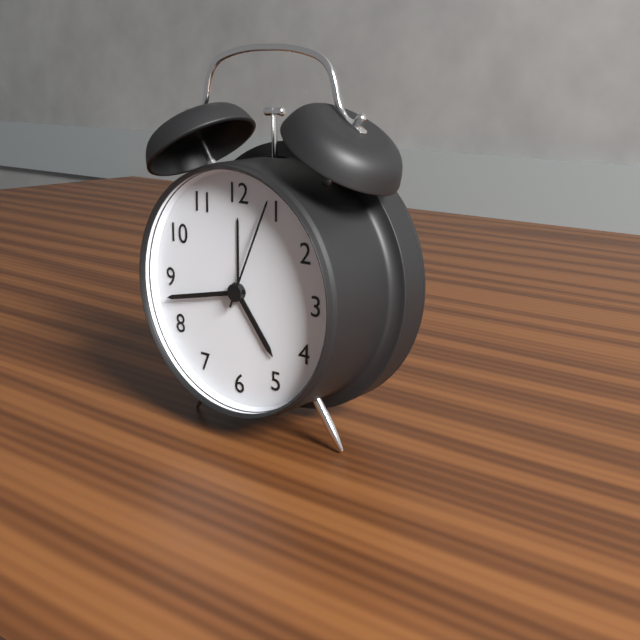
4:43:04
